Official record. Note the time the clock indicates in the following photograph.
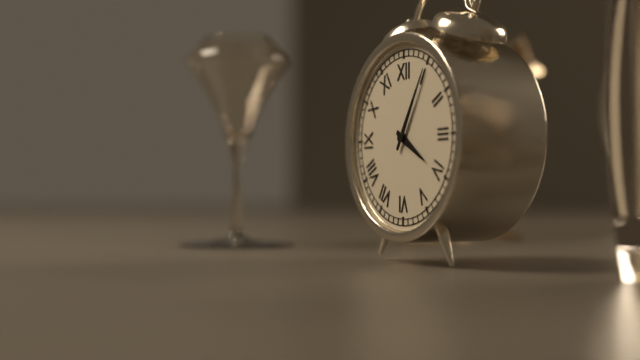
4:05
